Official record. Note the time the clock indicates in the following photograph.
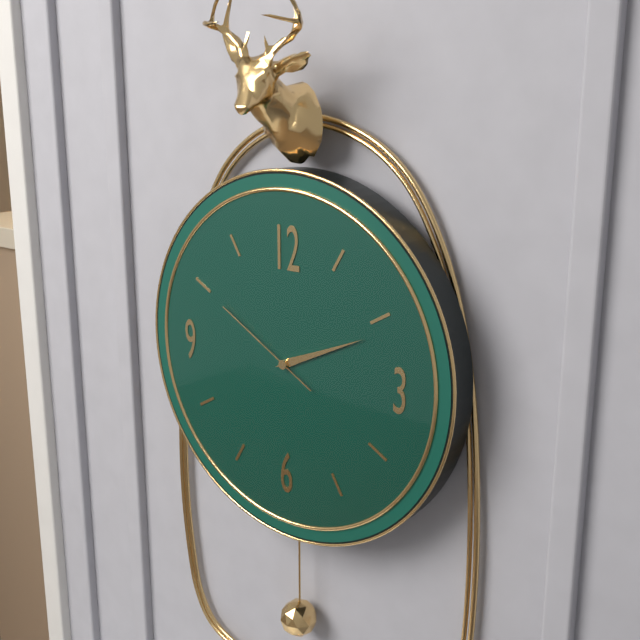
2:11:50
